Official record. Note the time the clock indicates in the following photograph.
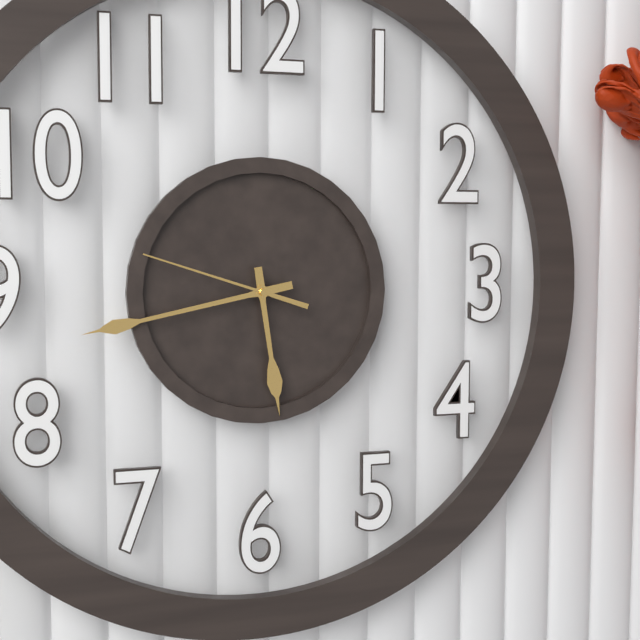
5:43:48
